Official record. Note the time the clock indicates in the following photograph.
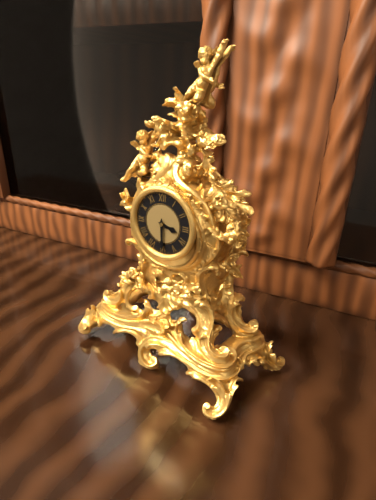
3:30
